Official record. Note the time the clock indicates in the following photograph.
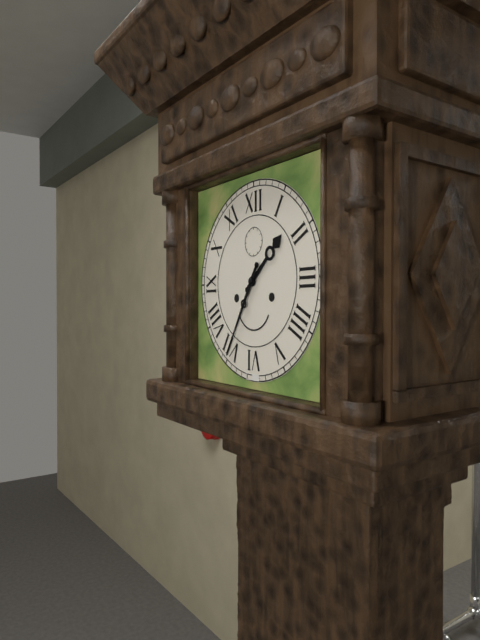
1:35
